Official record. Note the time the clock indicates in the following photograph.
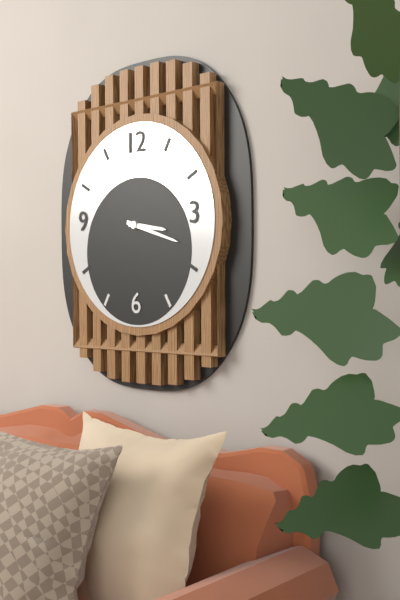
3:18
